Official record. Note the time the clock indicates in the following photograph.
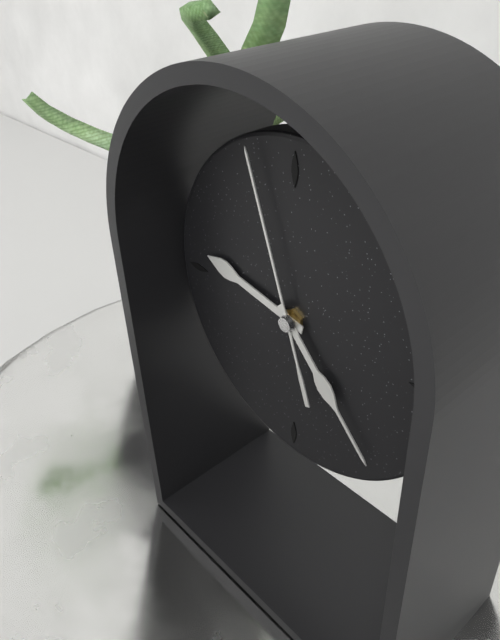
9:23:57
